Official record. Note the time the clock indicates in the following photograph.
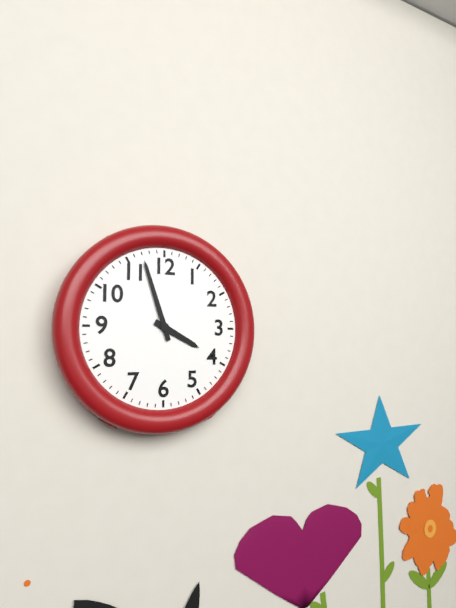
3:57
